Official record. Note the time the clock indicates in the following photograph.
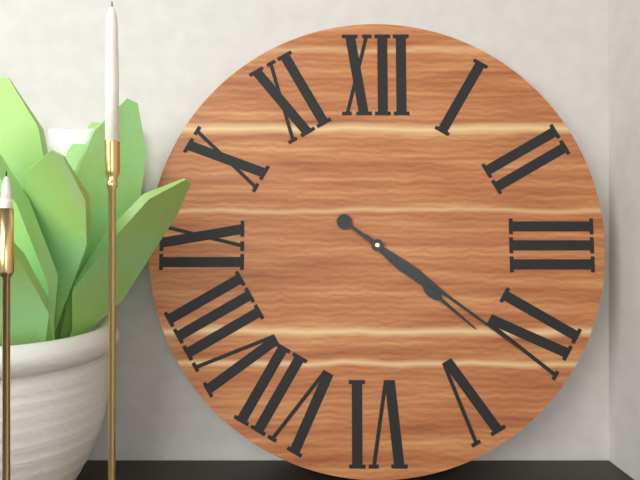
4:21
